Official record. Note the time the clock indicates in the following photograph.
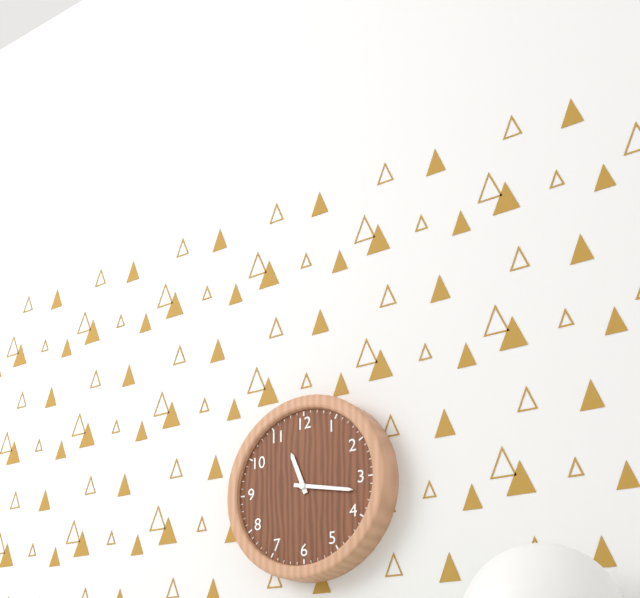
11:17
